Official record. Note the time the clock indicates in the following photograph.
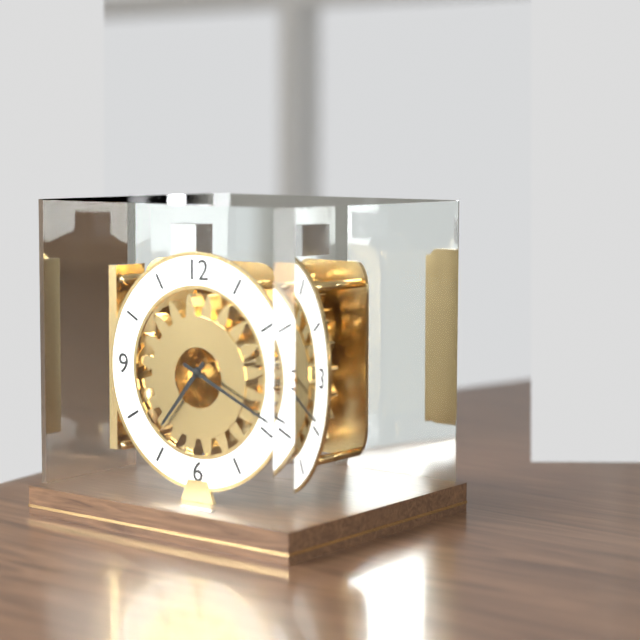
7:19
